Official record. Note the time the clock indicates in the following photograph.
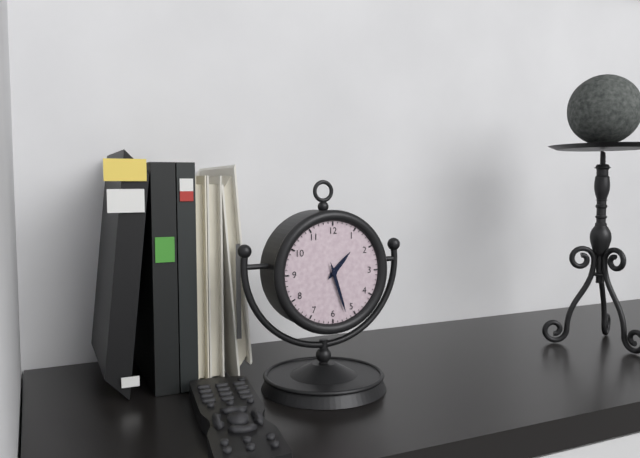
1:27
